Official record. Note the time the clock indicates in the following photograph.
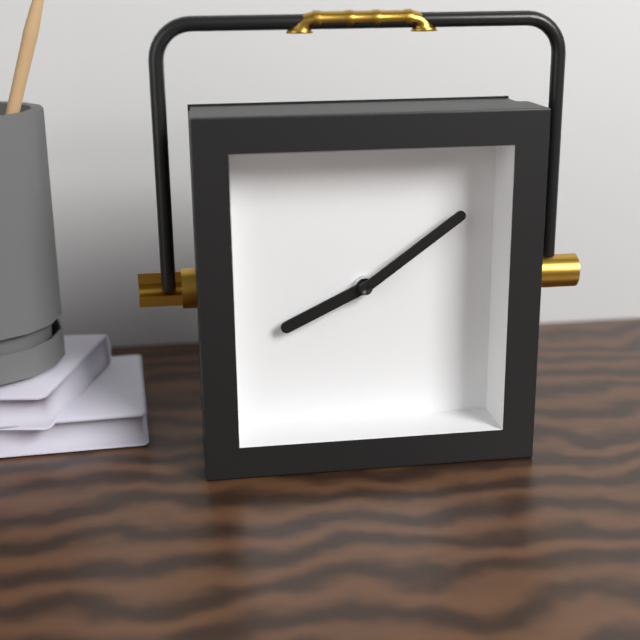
8:09
